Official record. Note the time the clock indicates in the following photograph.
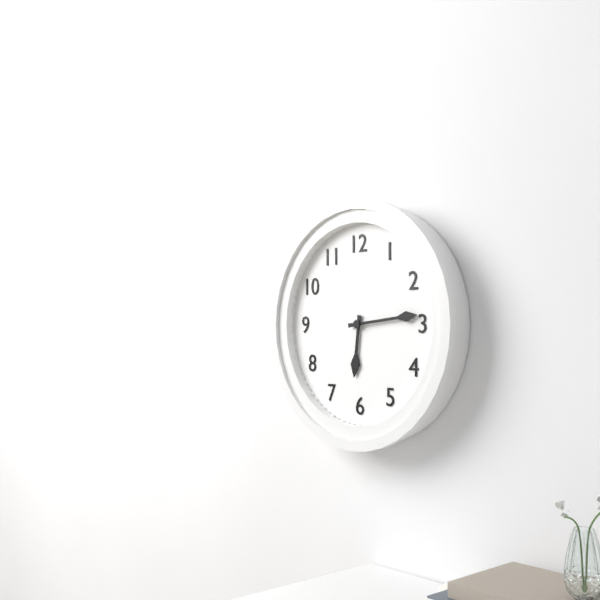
6:14
